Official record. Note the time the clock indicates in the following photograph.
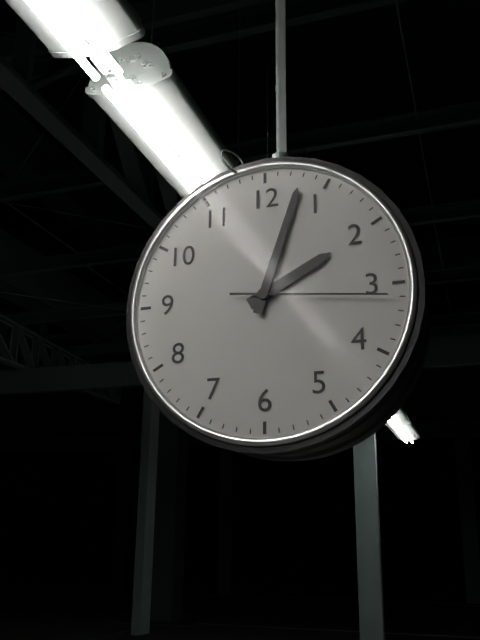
2:03:16
